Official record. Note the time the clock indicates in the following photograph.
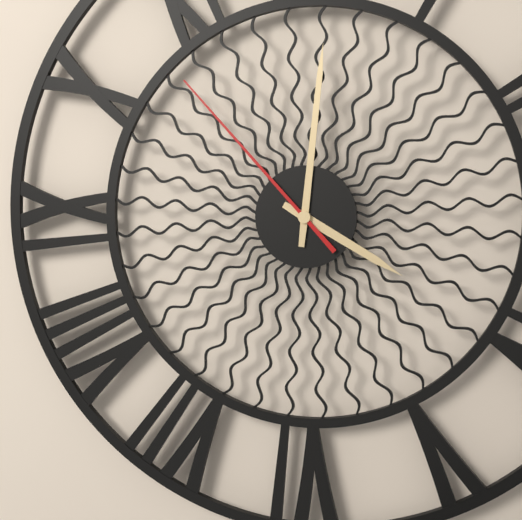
4:01:53
